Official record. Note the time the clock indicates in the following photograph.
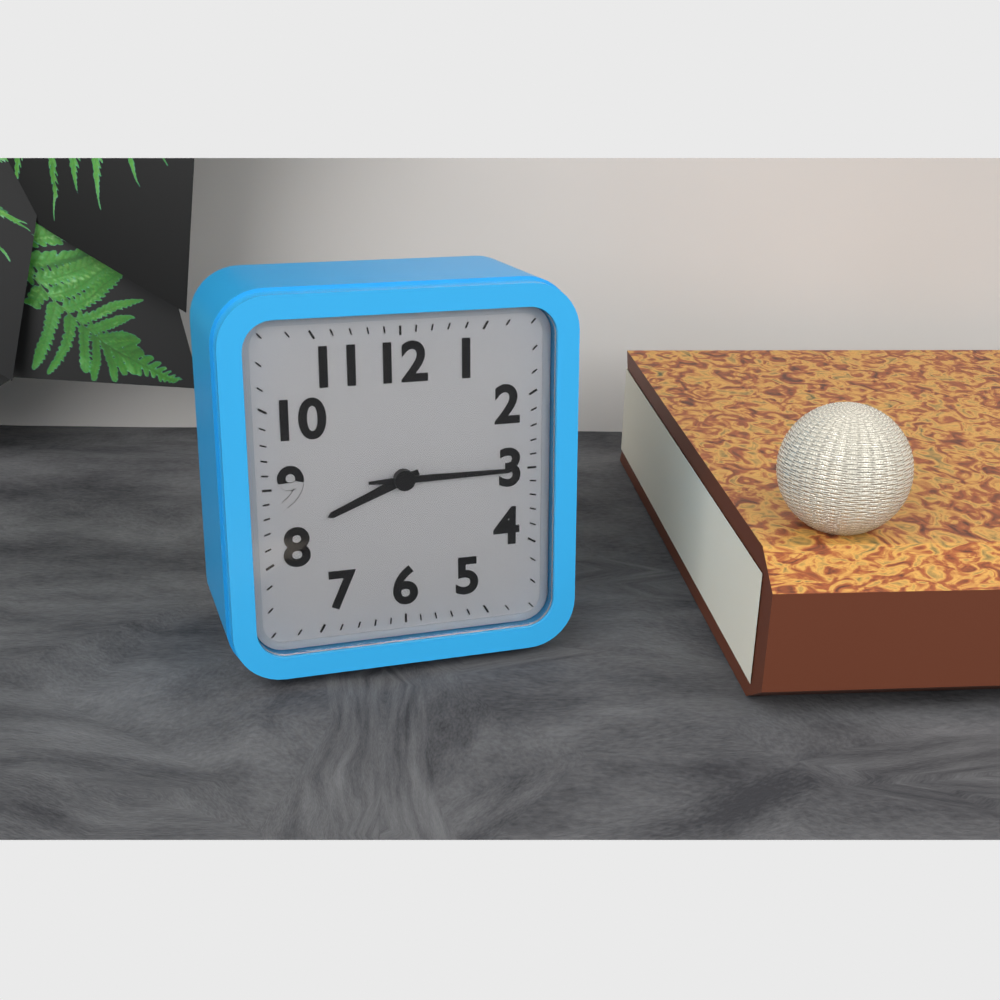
8:15
